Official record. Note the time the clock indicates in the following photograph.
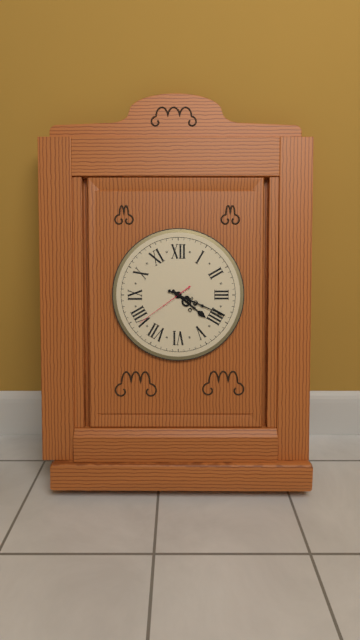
4:19:39
